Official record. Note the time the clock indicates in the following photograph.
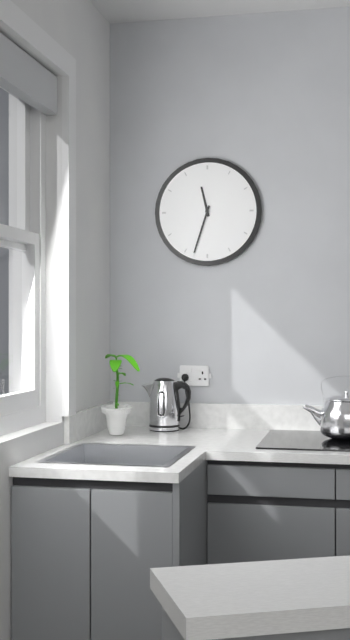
11:33
